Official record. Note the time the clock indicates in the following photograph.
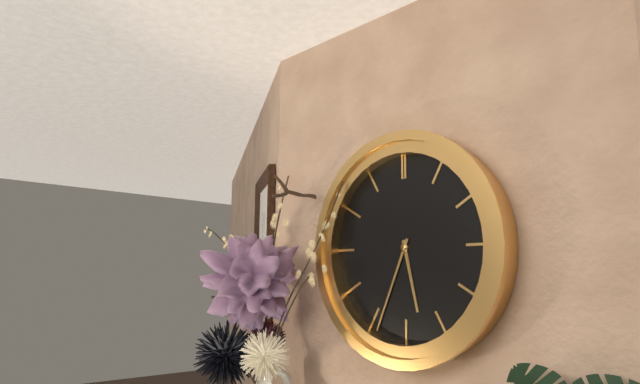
5:34
